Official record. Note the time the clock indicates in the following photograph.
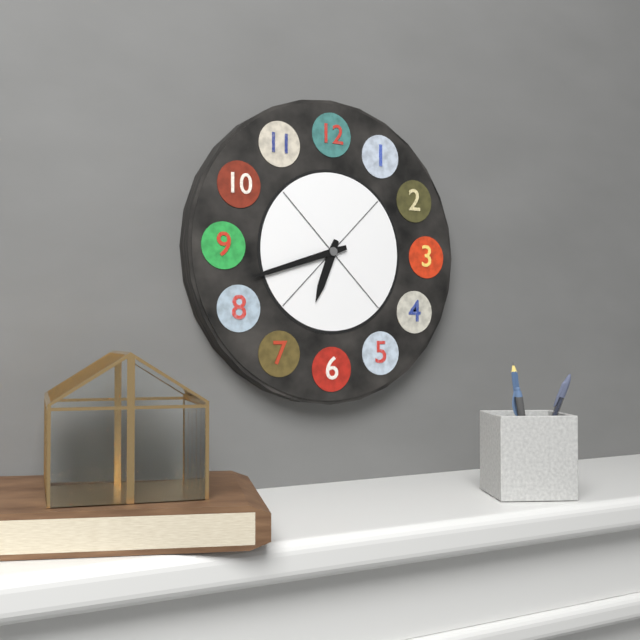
6:42
